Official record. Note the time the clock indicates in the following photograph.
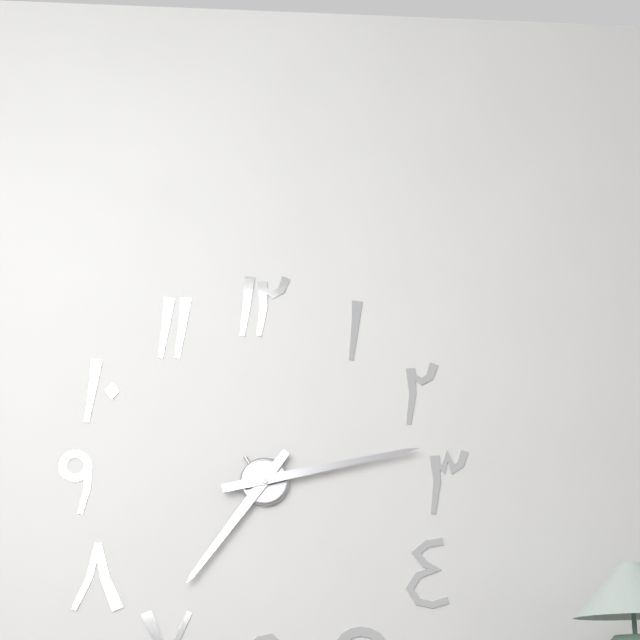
7:13
